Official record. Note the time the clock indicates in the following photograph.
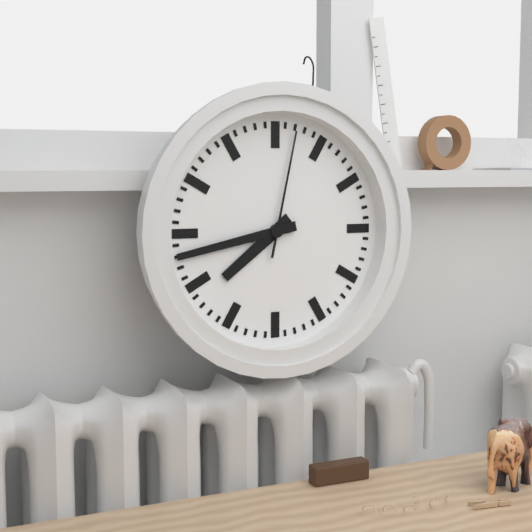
7:43:02
